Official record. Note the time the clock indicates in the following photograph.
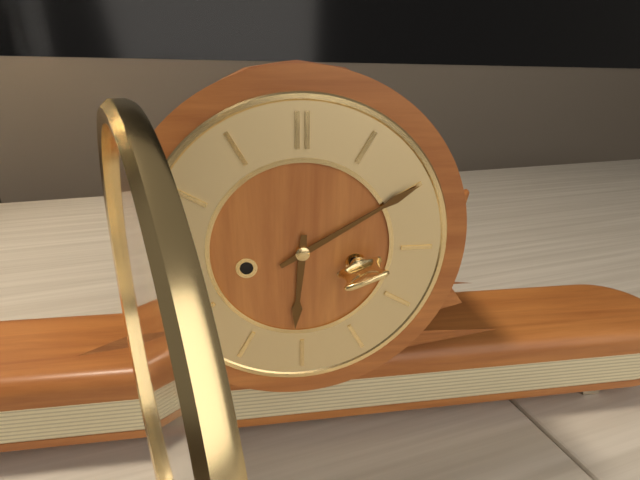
6:10
